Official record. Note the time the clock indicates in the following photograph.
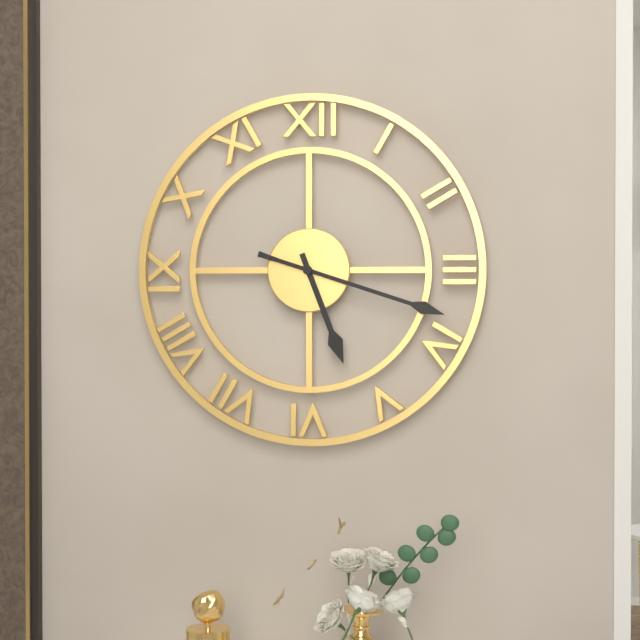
5:18
